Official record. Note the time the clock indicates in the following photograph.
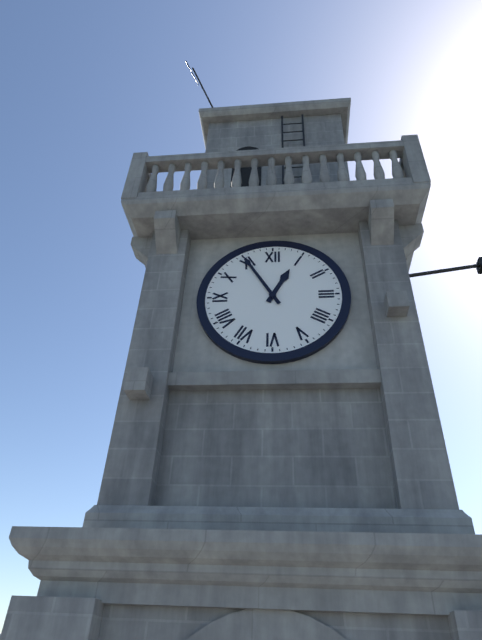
12:55
